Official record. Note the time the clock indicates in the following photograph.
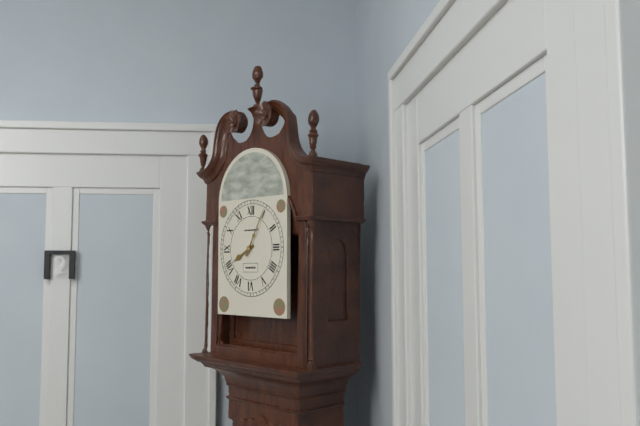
8:05
